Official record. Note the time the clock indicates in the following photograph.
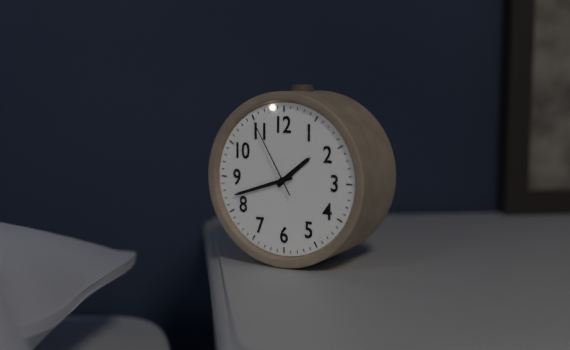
1:42:55
